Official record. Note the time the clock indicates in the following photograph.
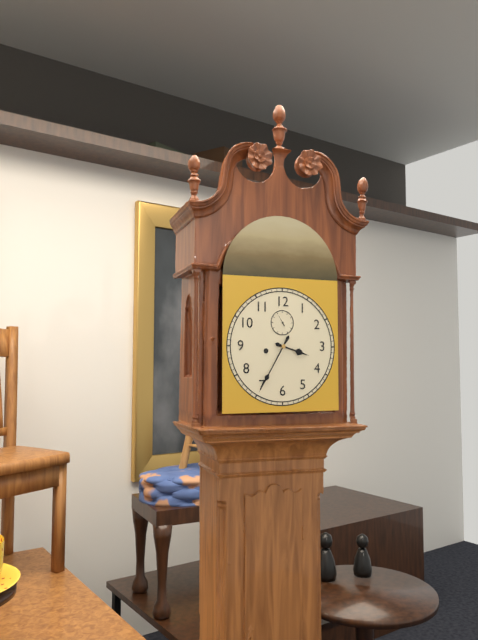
3:35
